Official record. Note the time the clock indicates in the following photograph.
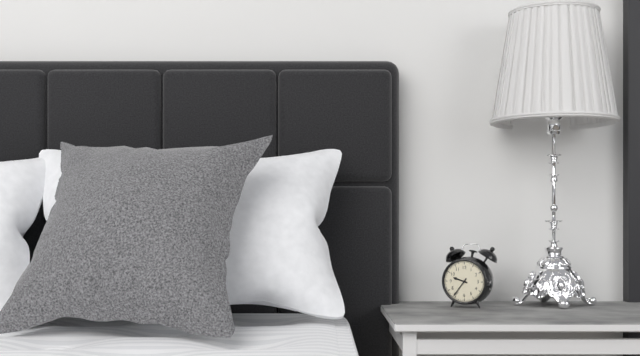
9:36
